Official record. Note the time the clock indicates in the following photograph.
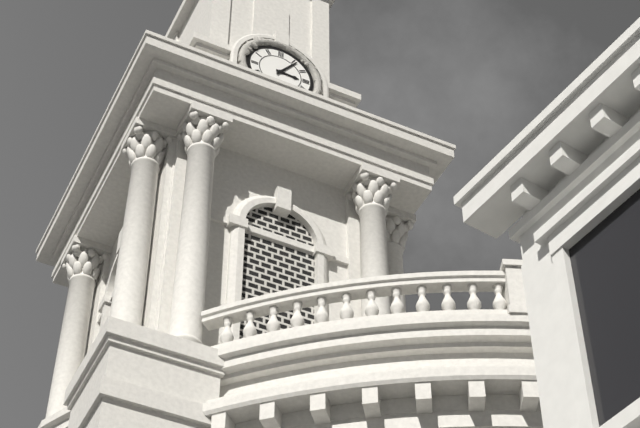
3:06
